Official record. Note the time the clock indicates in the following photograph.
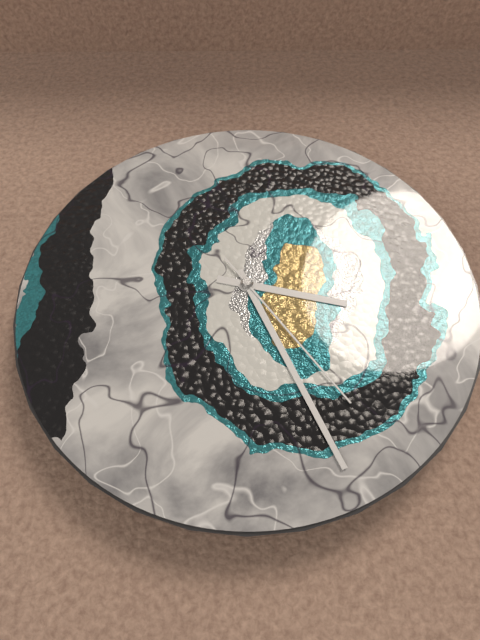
3:26:24
